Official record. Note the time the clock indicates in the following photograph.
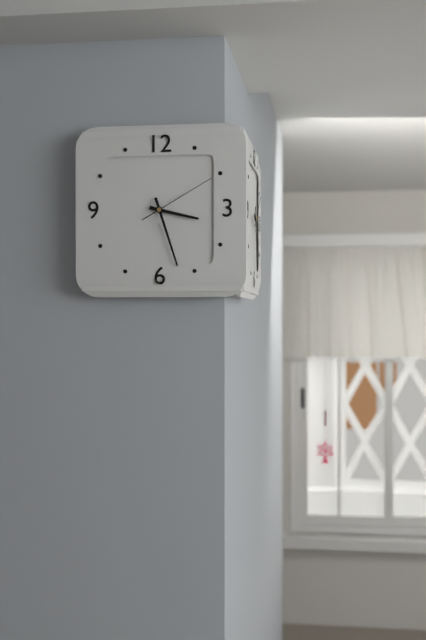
3:27:10
